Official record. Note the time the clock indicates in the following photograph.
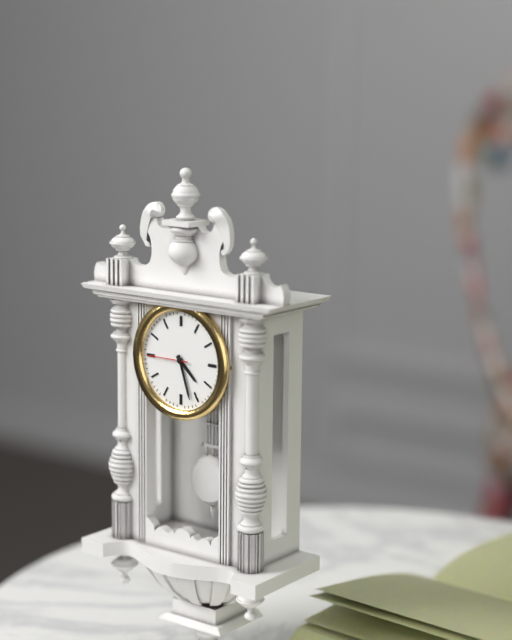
4:27
